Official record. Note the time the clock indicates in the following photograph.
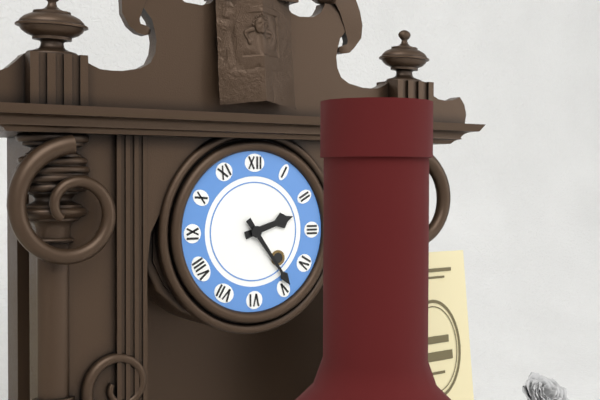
2:24
